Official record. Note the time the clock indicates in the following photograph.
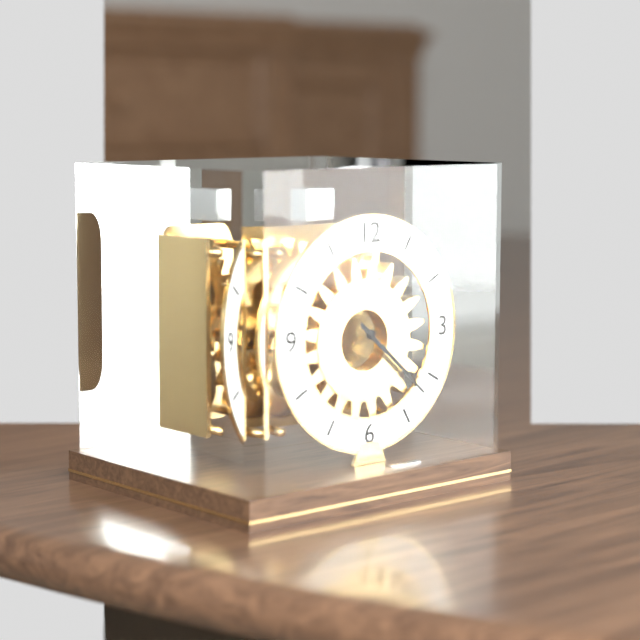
4:22
